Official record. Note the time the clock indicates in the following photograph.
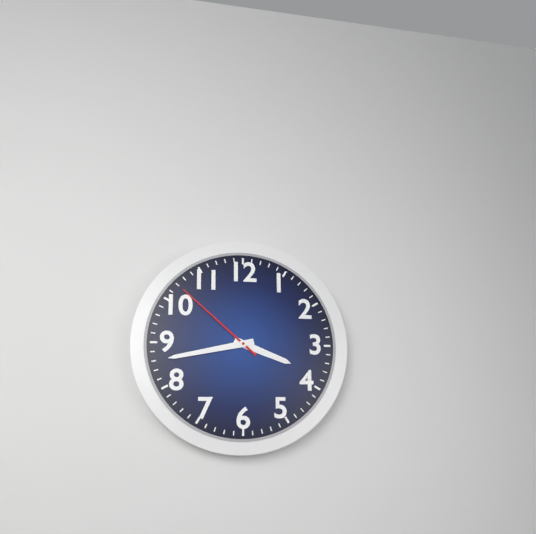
3:43:52
